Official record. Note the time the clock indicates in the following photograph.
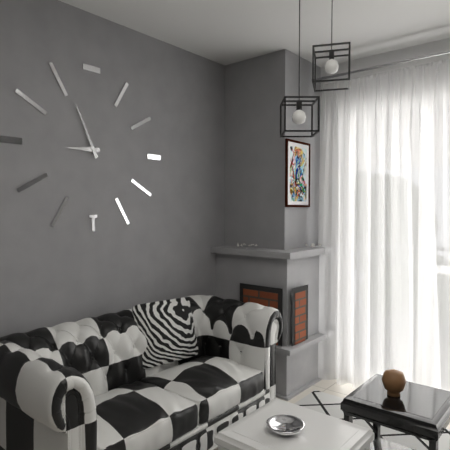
8:56
